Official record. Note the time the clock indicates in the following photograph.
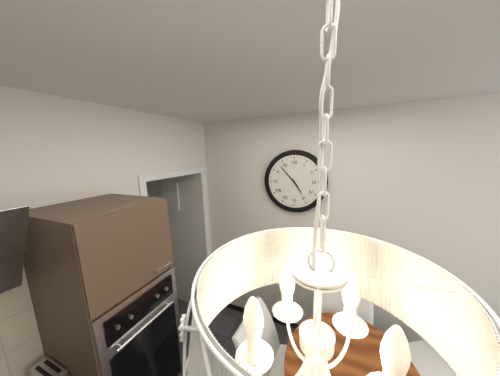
4:53
